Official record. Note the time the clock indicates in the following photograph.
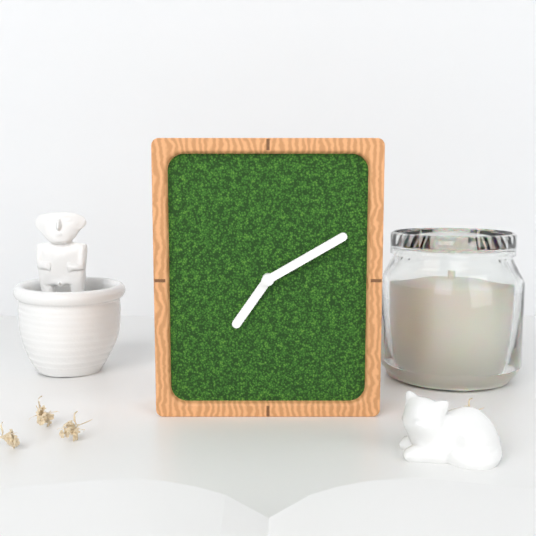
7:10
